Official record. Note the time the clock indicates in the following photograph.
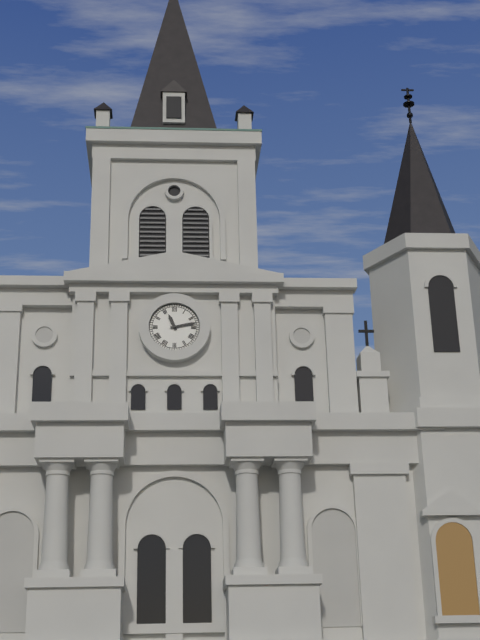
11:13
